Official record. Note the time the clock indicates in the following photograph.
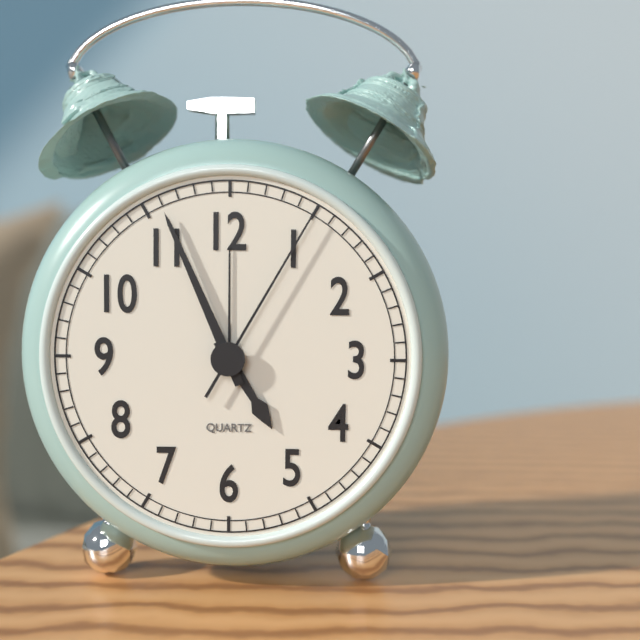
4:56:05
